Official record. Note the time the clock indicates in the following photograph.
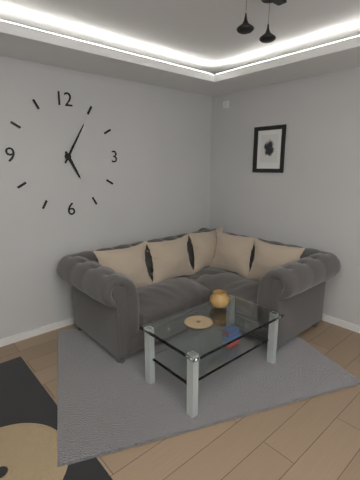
5:05
